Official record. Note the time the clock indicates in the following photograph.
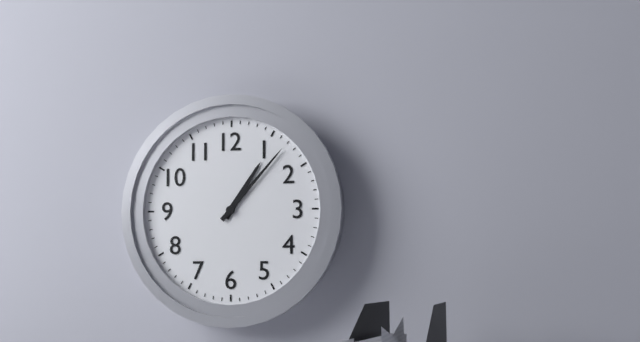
1:07
